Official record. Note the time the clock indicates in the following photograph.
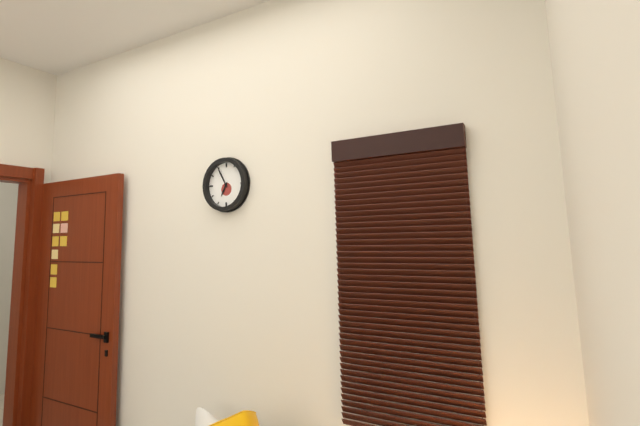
6:55
